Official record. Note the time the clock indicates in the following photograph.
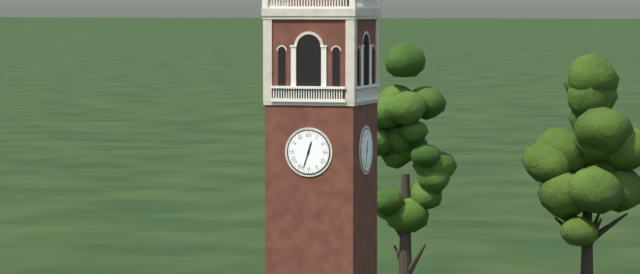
12:33
